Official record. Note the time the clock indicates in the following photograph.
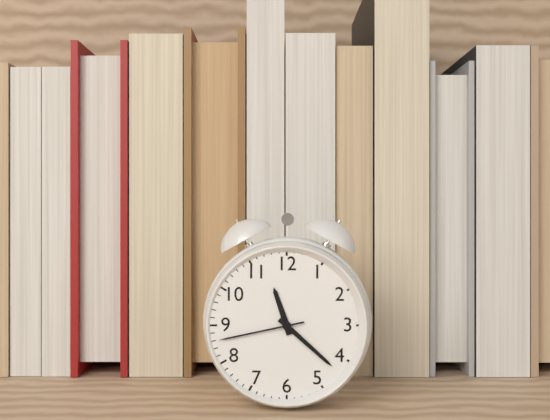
11:22:43
